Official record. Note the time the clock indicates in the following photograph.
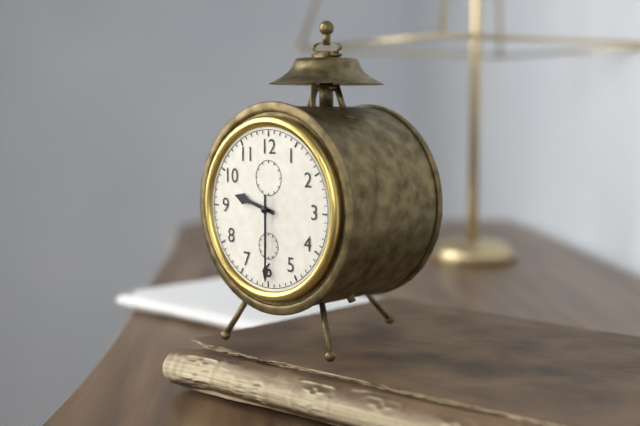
9:30
